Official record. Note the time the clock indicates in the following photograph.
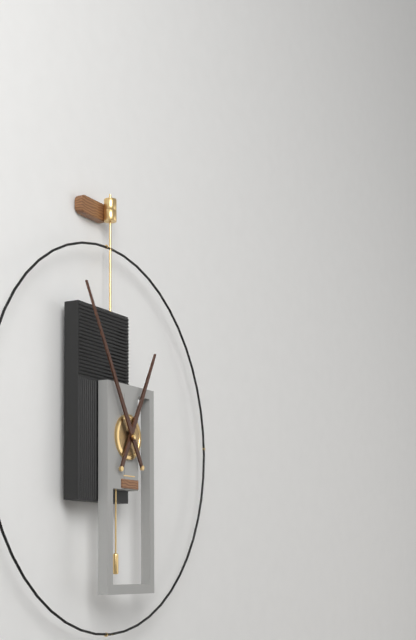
12:55
